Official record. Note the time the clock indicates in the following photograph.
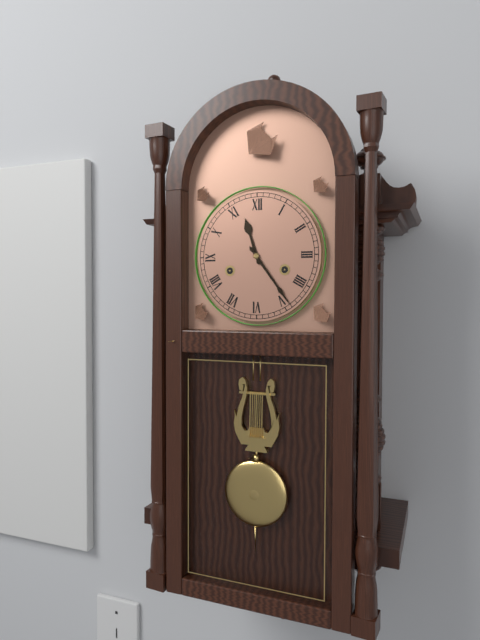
11:24
